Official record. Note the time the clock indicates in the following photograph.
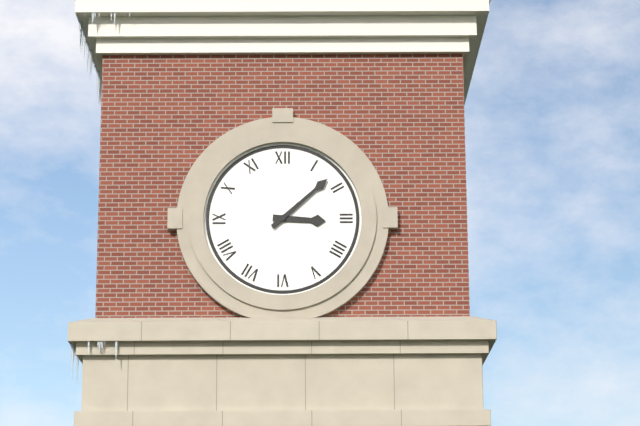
3:08
